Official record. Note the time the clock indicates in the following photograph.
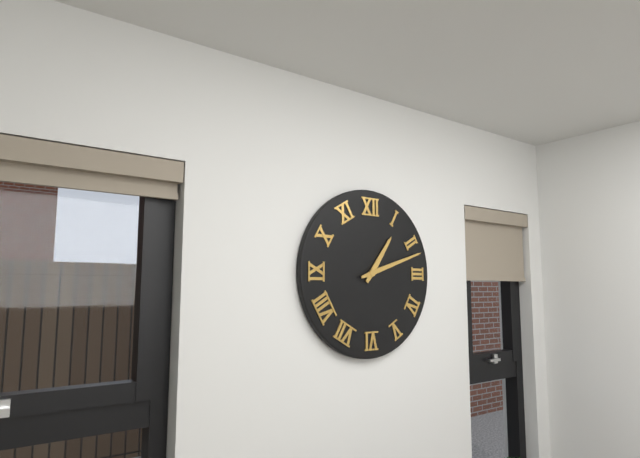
1:12
